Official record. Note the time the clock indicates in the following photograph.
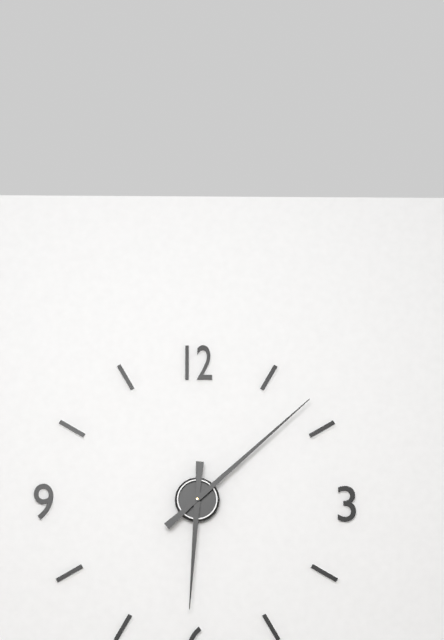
6:08
